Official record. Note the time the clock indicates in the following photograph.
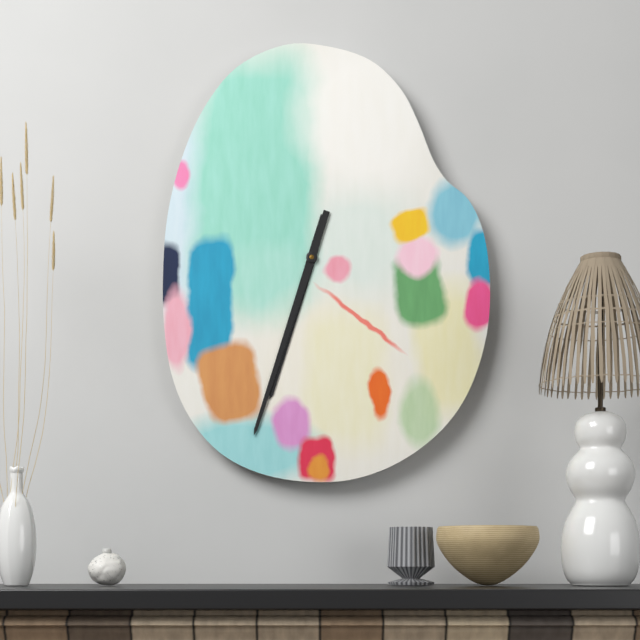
6:33
